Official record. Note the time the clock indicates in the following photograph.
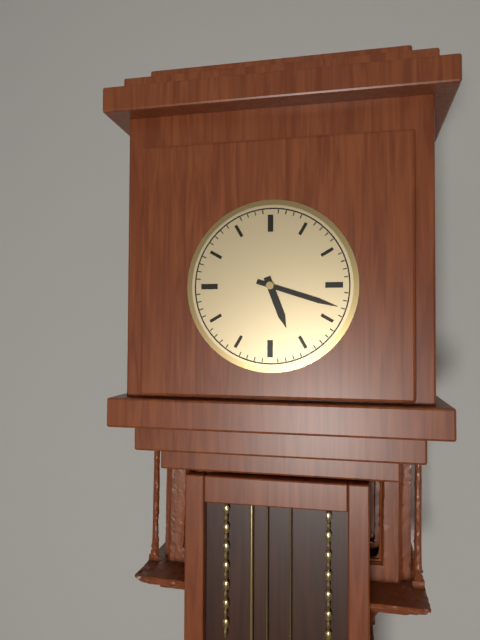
5:18
